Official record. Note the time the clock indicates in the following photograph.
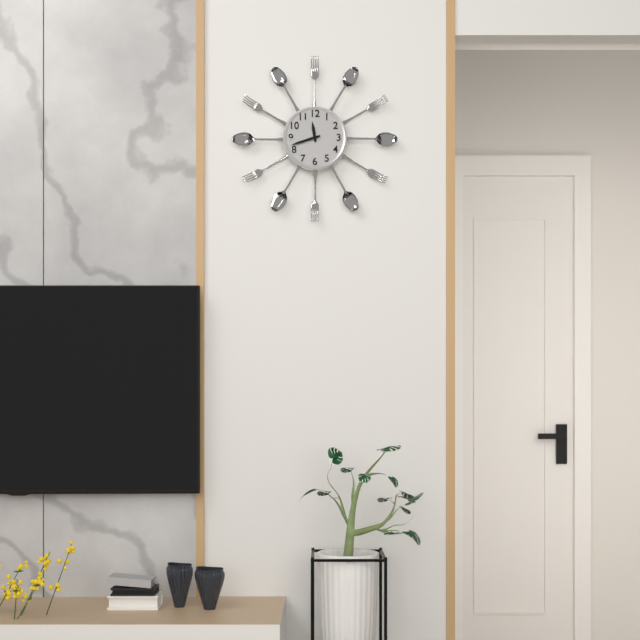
11:42
